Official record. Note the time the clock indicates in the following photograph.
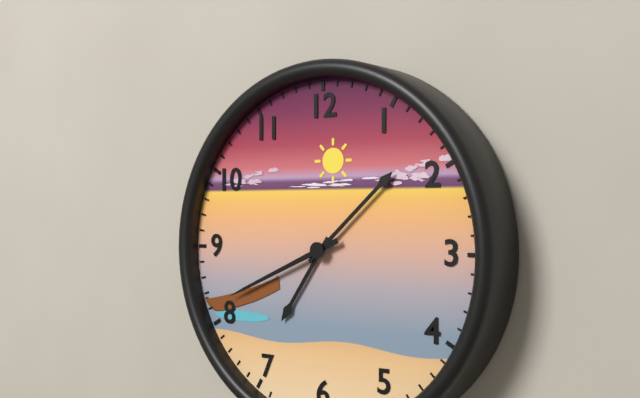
7:08:41
